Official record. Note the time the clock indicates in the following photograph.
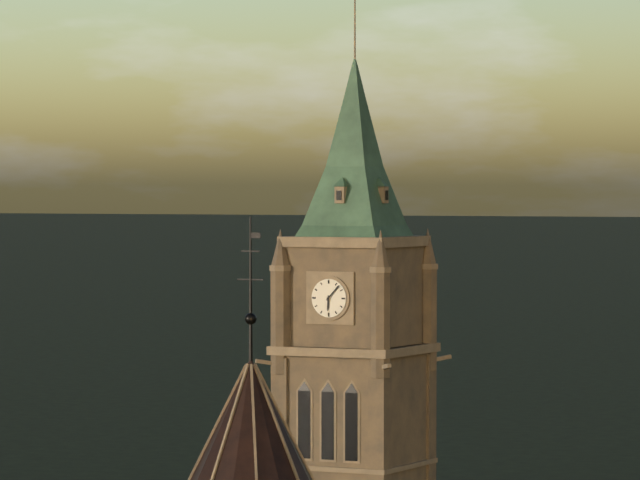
6:07
